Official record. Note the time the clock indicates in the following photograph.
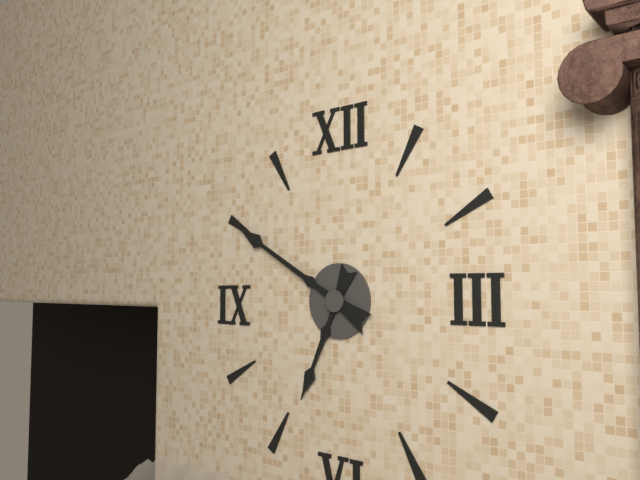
6:50
